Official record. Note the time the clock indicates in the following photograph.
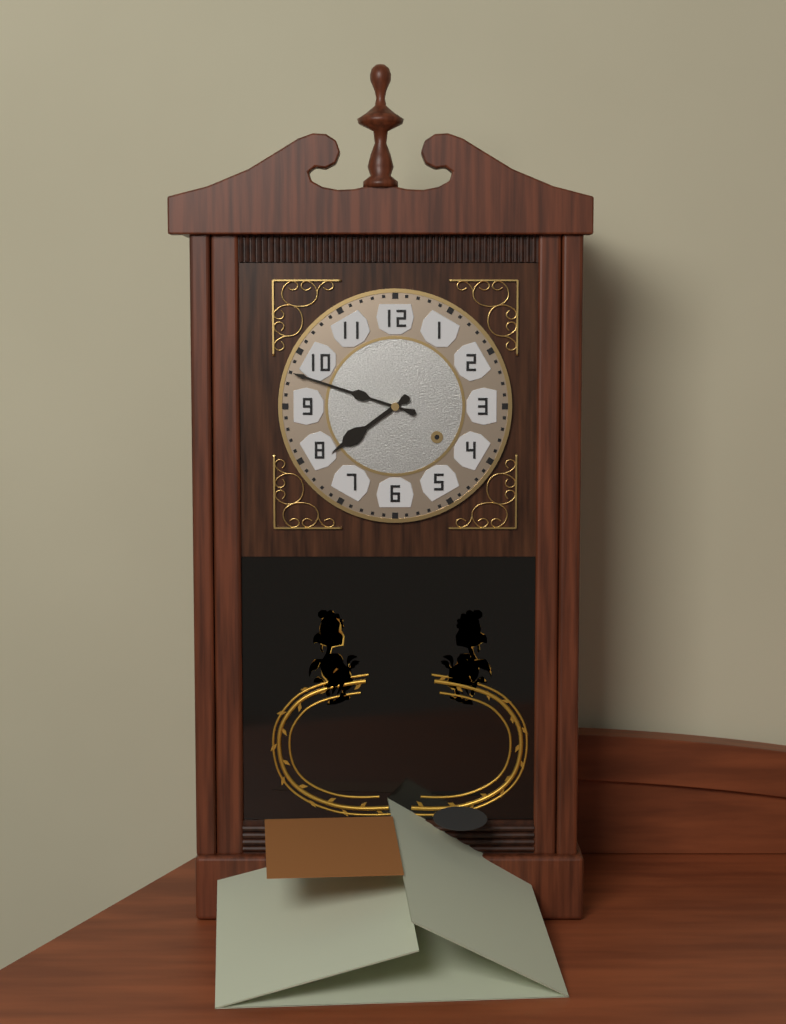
7:48
